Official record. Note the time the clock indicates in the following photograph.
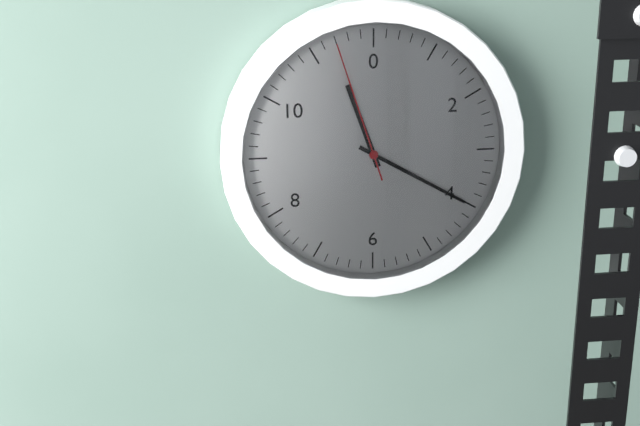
11:20:57
